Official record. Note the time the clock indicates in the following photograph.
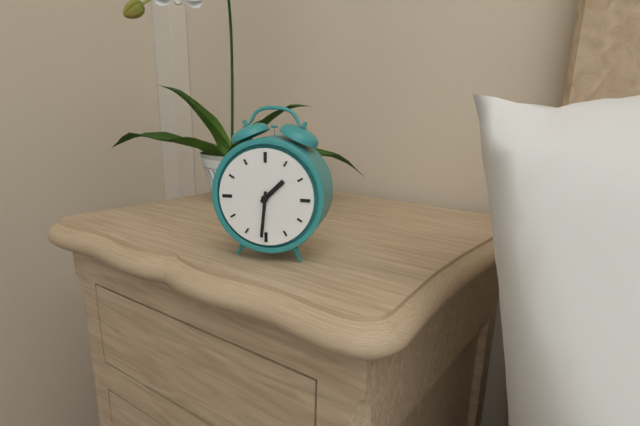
1:31
